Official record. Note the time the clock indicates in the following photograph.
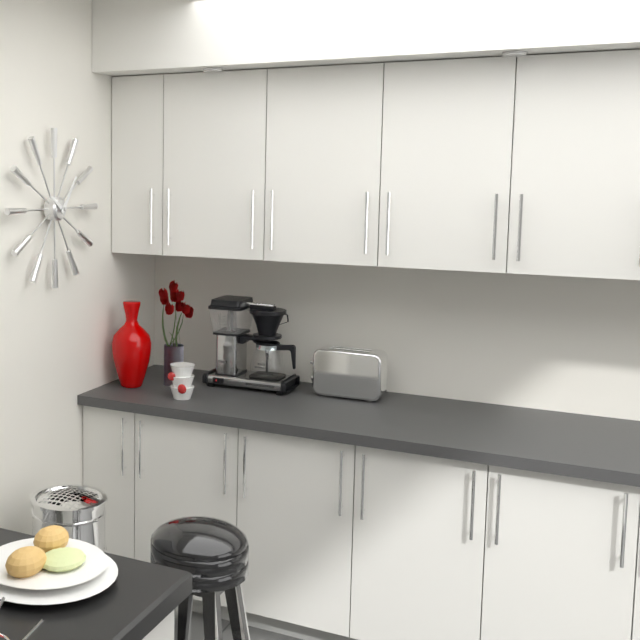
10:06
